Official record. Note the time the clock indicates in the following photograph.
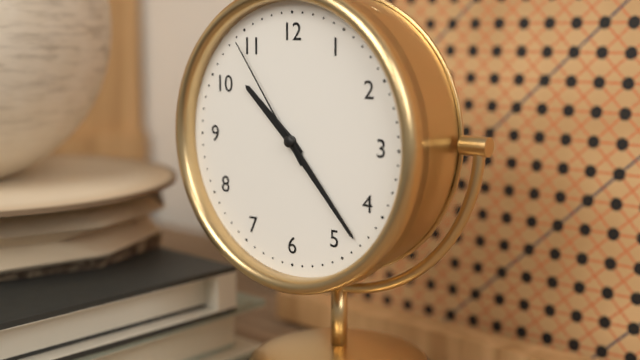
10:23:54
